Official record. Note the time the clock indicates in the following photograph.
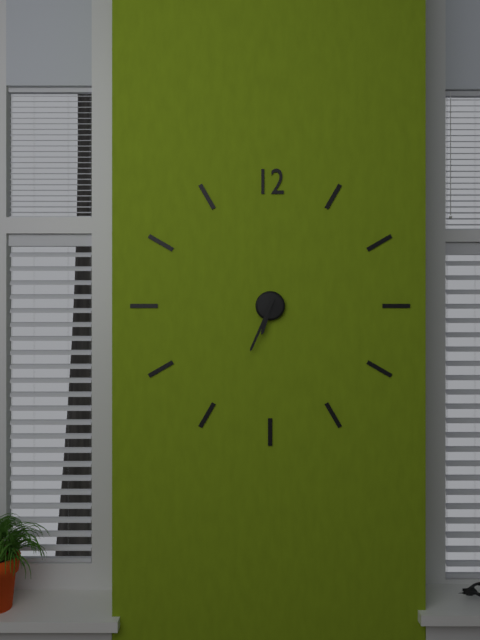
6:34
